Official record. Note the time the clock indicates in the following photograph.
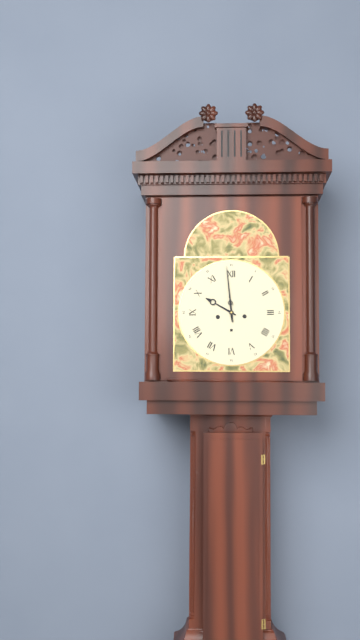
9:59
